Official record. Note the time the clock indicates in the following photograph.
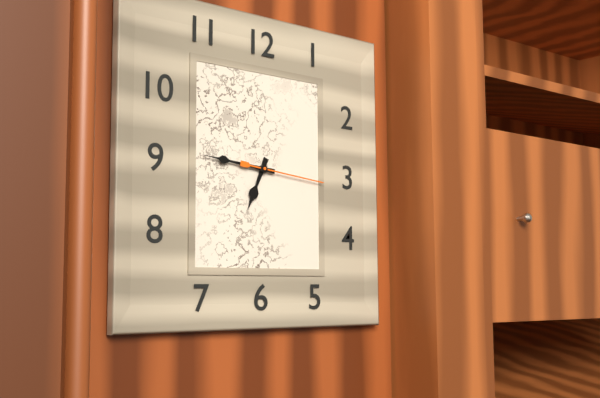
6:46:16
